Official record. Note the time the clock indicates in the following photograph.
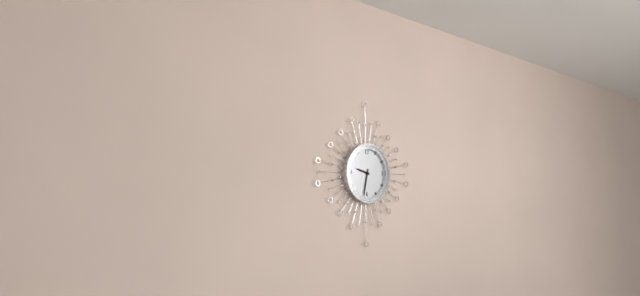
9:32
